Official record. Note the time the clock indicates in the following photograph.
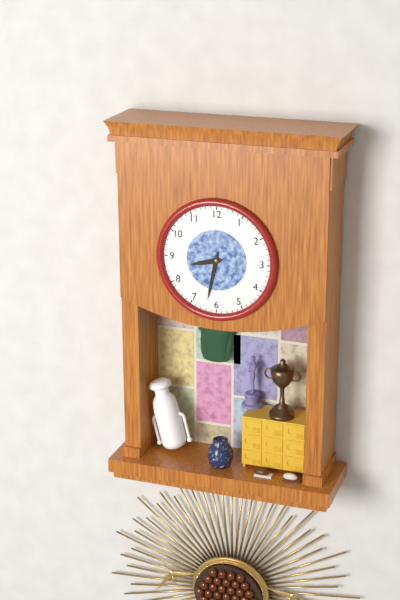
8:32
